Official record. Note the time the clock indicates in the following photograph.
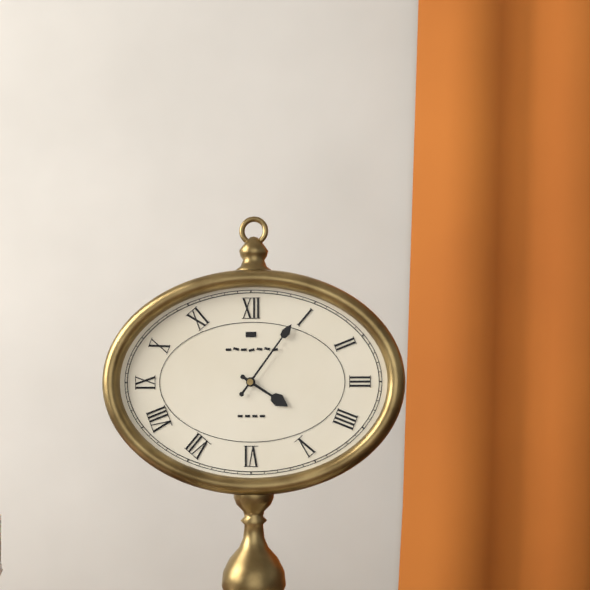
4:06
